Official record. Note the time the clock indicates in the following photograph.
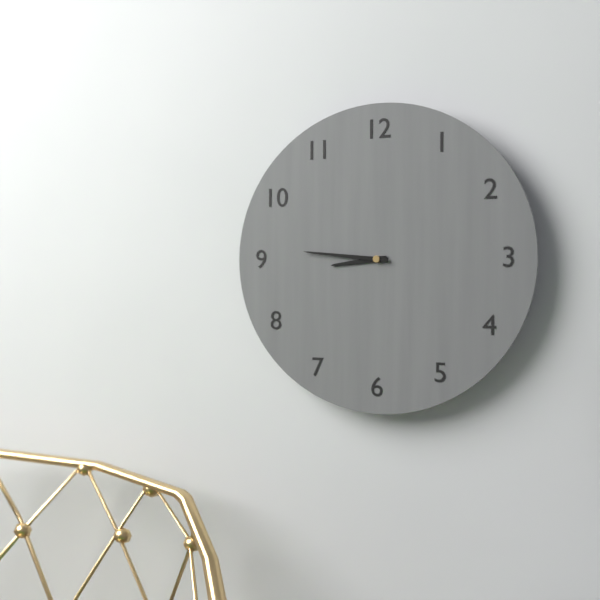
8:46
